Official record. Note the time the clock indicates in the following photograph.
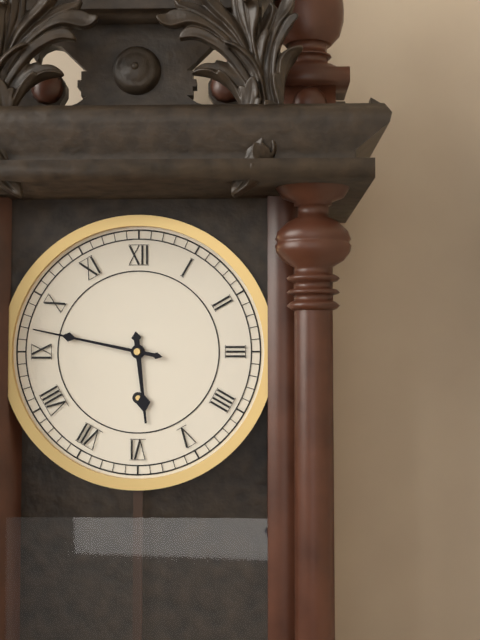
5:47
